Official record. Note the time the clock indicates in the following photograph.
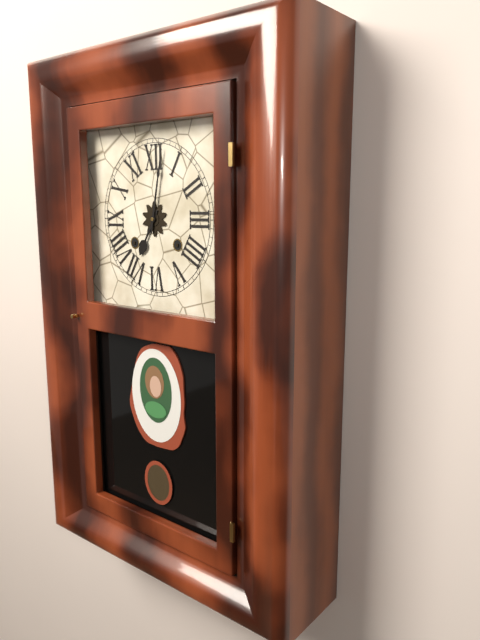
7:02
